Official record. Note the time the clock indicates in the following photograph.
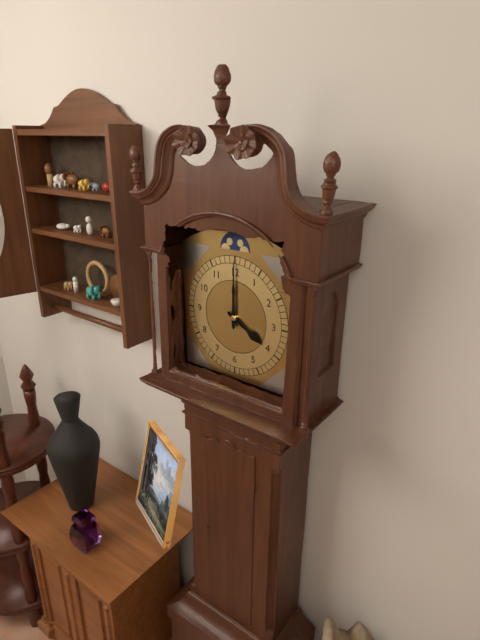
4:00
